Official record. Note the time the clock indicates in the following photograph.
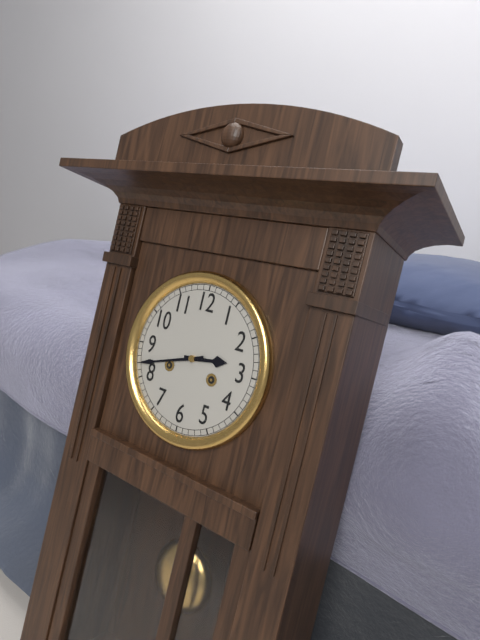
2:42
